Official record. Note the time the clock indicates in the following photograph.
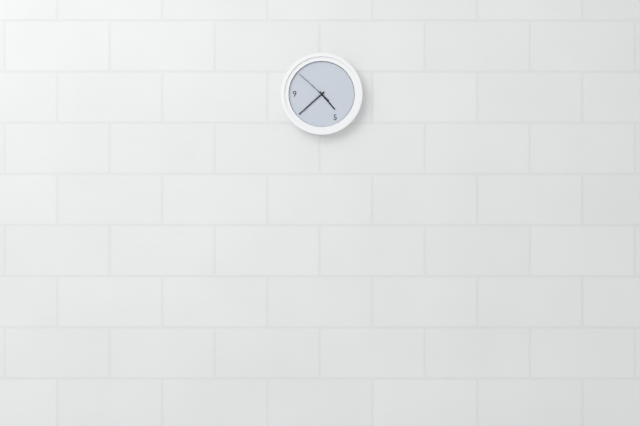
4:38
